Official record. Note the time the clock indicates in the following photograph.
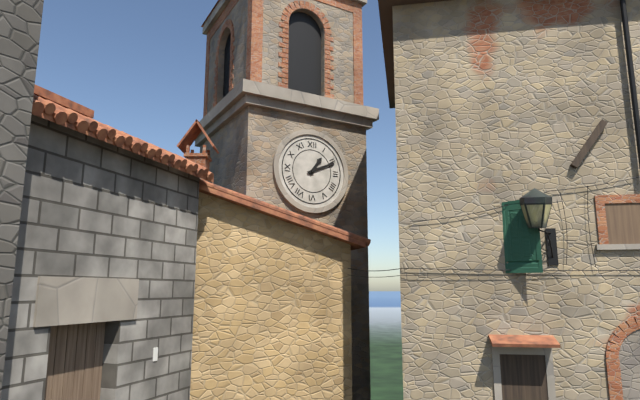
1:11
